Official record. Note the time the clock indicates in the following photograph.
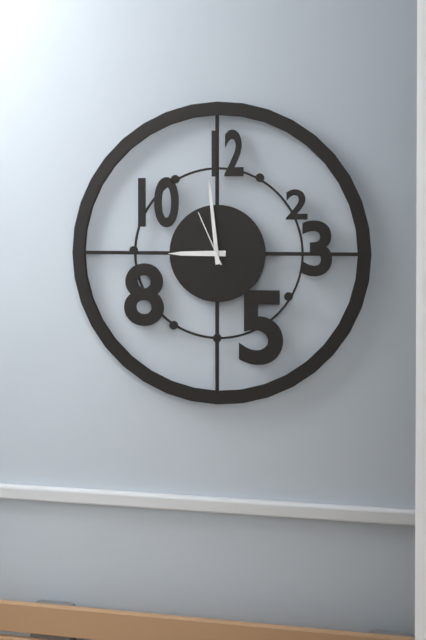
8:59:56
